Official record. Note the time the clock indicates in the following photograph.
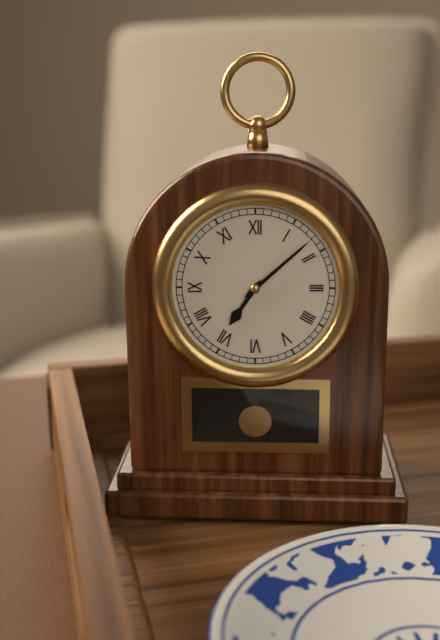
7:08
